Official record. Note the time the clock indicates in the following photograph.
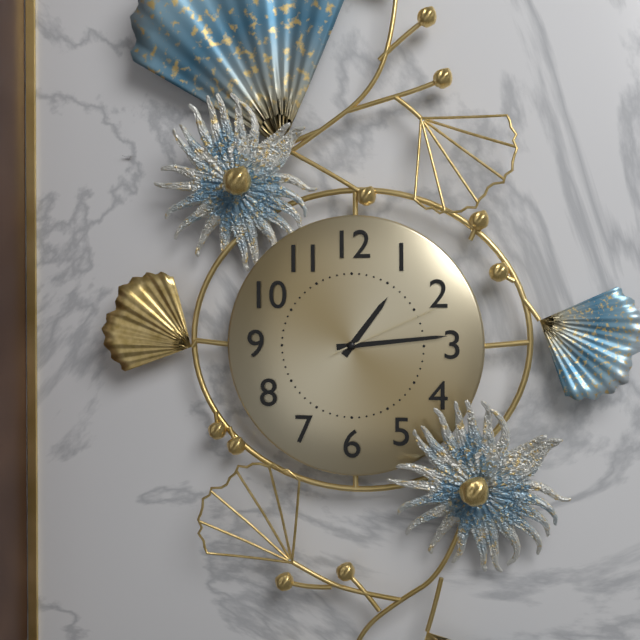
1:14:11
